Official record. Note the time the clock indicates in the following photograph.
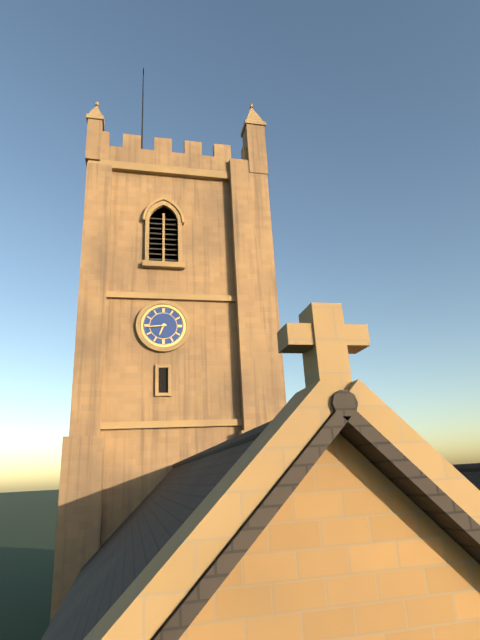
6:44
